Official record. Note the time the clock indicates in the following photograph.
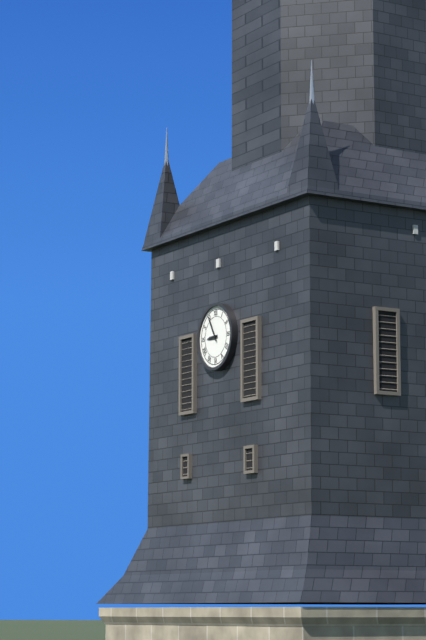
8:55
